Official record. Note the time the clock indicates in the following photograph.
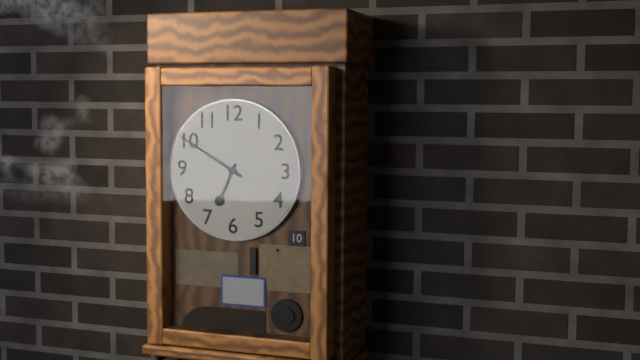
6:50
